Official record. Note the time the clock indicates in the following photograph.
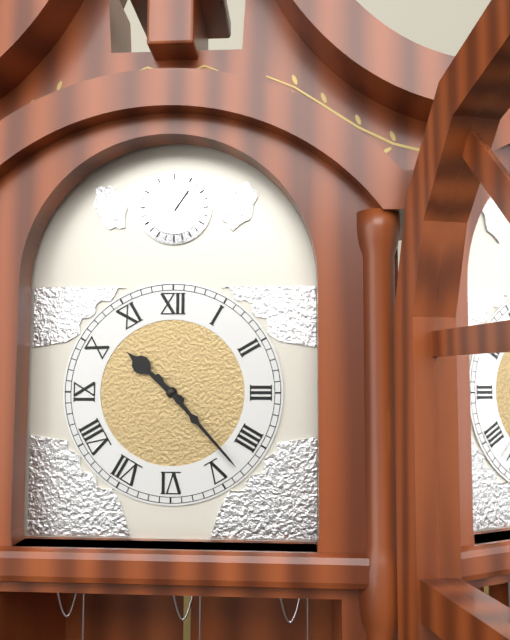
10:23
